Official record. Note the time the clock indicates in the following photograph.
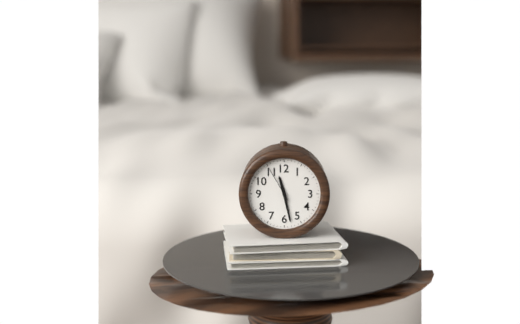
11:28
